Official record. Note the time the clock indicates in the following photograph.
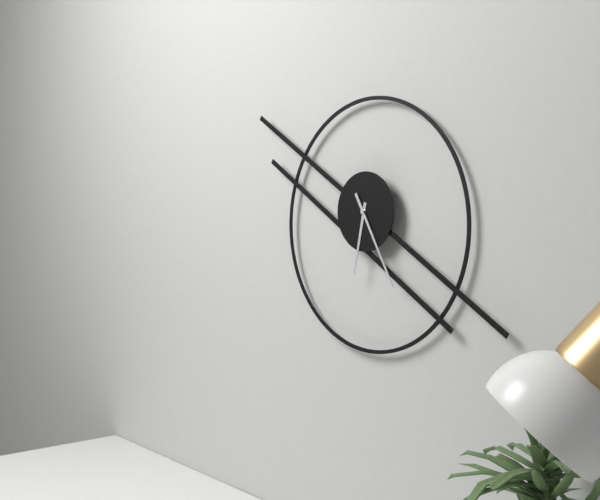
6:25
